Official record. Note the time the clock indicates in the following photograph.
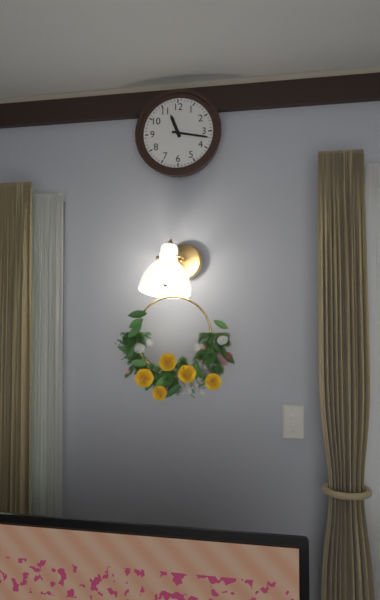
11:17
